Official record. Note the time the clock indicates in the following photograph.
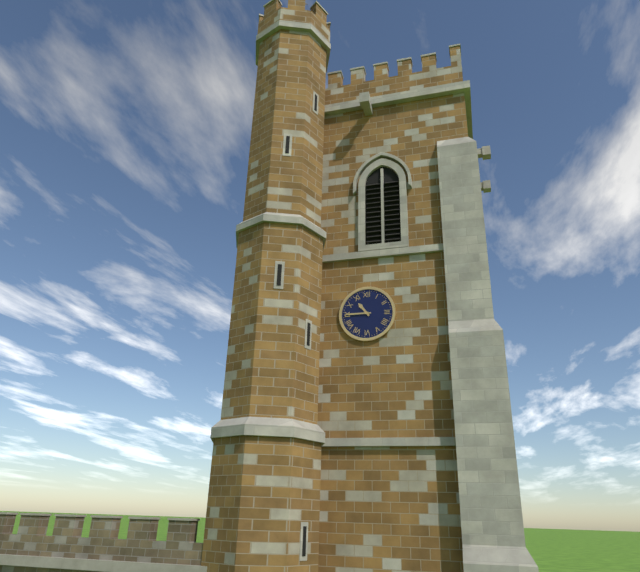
10:45
